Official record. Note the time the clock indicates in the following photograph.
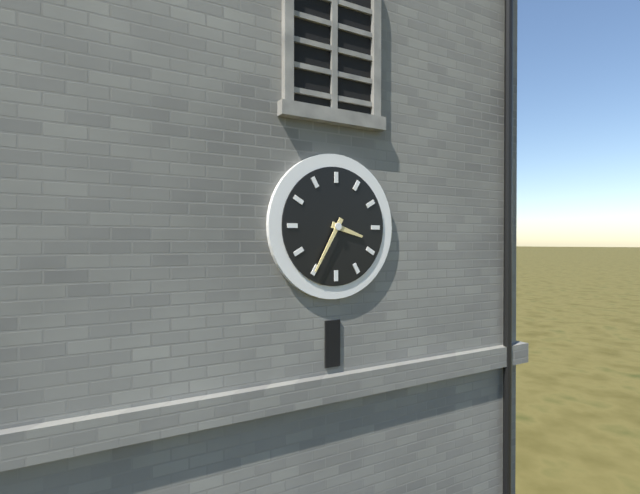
3:35
